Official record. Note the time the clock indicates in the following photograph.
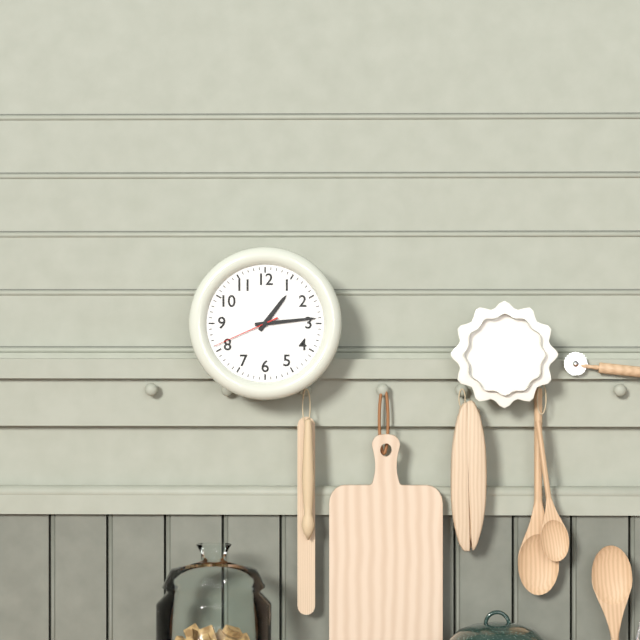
1:14:41
